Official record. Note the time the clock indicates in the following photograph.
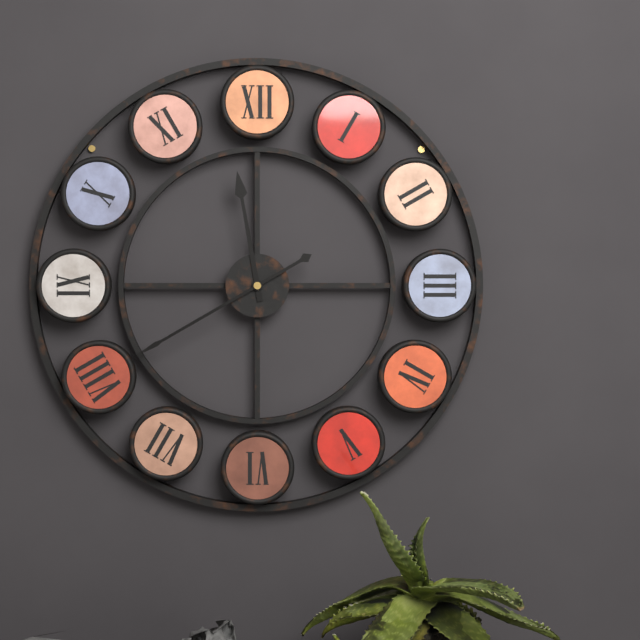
11:40
